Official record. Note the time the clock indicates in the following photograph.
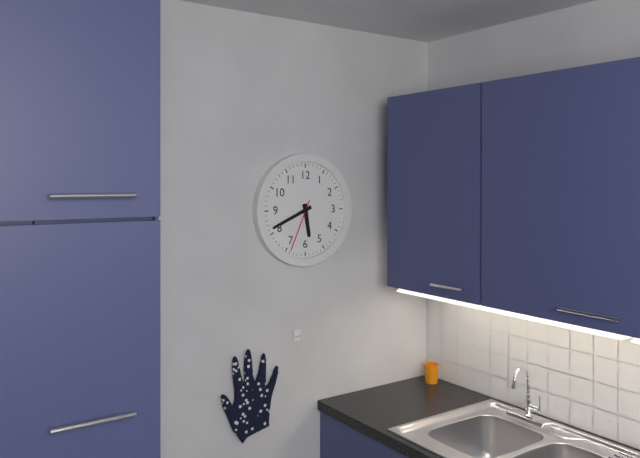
5:41:34
